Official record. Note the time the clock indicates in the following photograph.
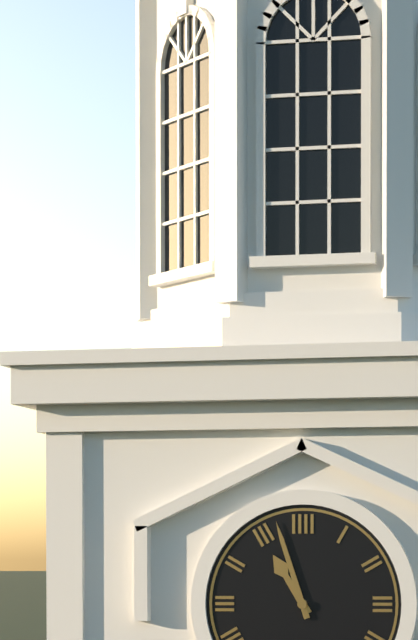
10:57
